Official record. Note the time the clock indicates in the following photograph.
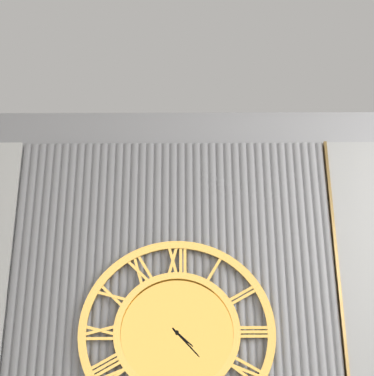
4:23
